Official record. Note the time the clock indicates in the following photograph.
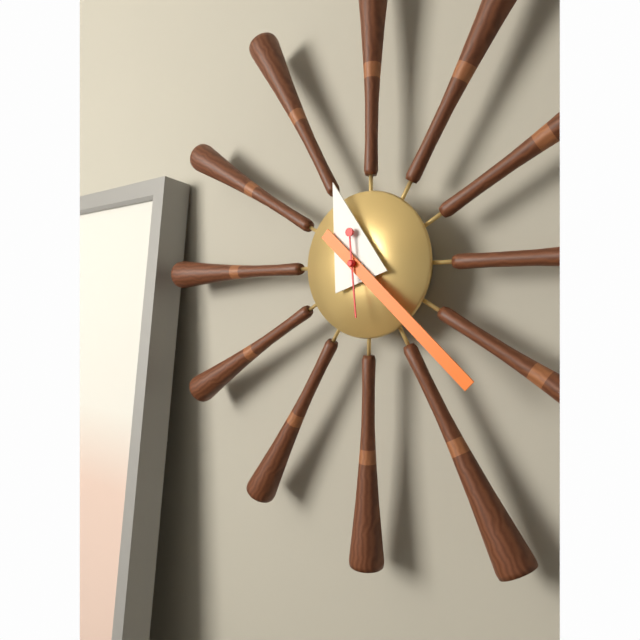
11:22:29
